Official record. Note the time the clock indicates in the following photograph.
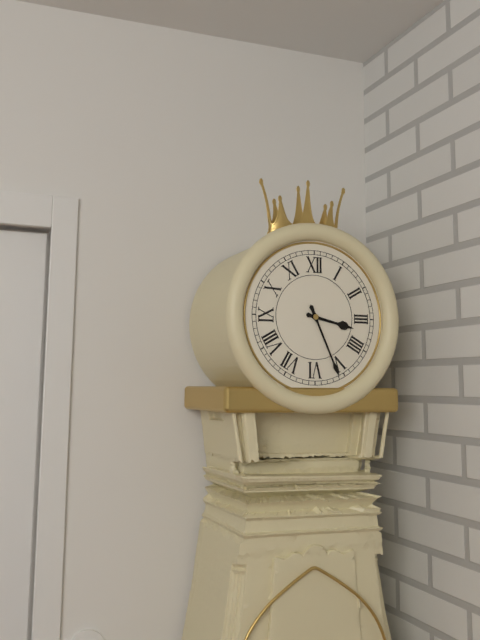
3:26
